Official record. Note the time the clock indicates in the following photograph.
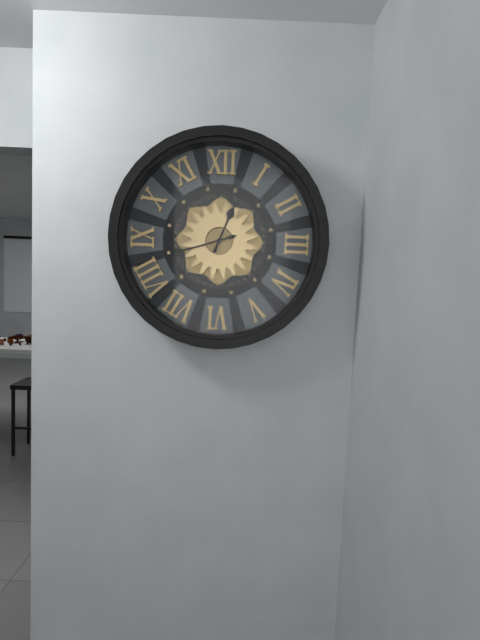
12:42
